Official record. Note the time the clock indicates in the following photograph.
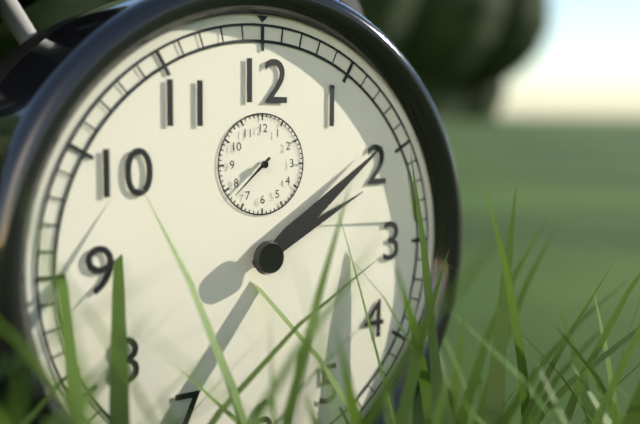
2:09:38
